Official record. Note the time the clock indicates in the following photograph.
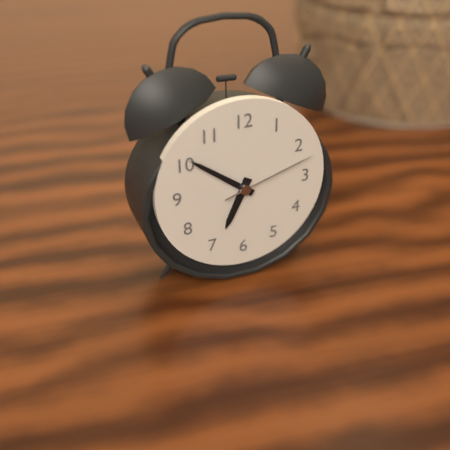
6:51:12
